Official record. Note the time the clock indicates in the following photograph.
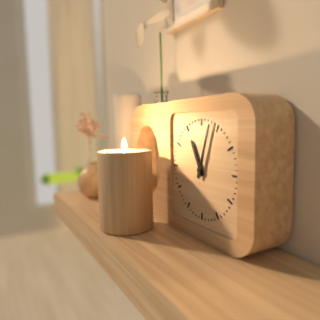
11:03
